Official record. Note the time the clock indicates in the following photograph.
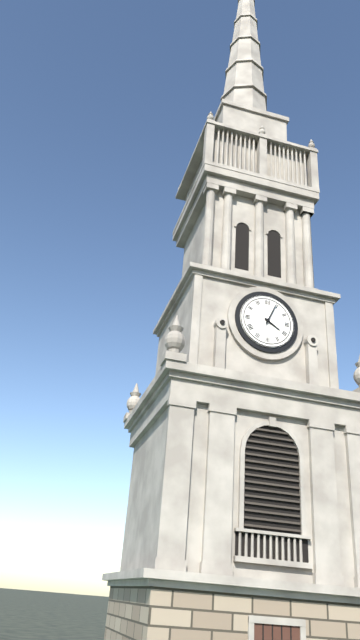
4:04
